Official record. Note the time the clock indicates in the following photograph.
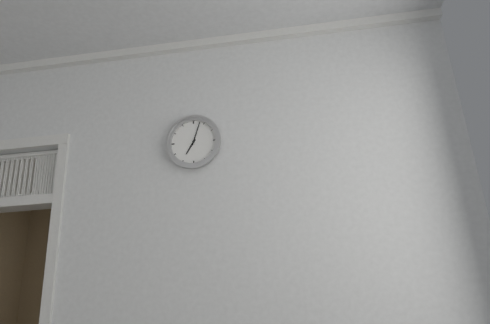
7:03
